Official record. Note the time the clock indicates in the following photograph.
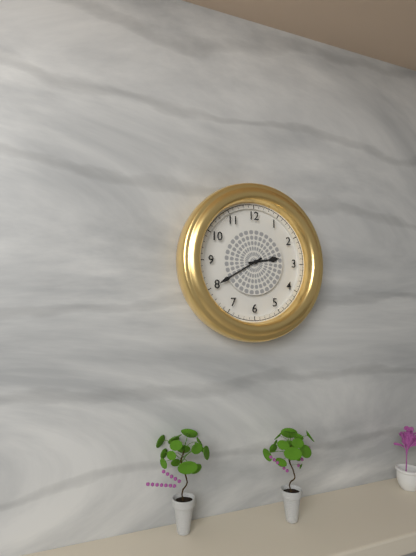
2:40
